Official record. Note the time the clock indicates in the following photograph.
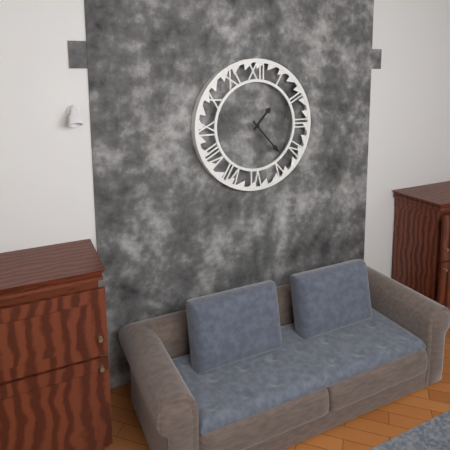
1:23
